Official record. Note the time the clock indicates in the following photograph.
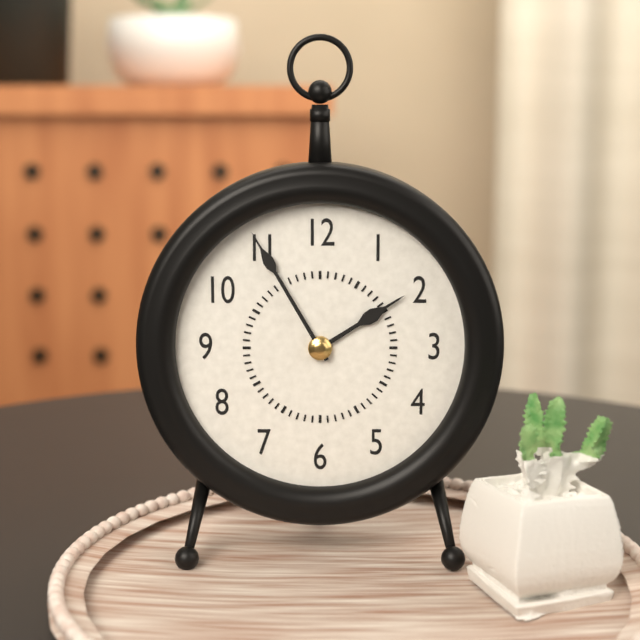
1:55
